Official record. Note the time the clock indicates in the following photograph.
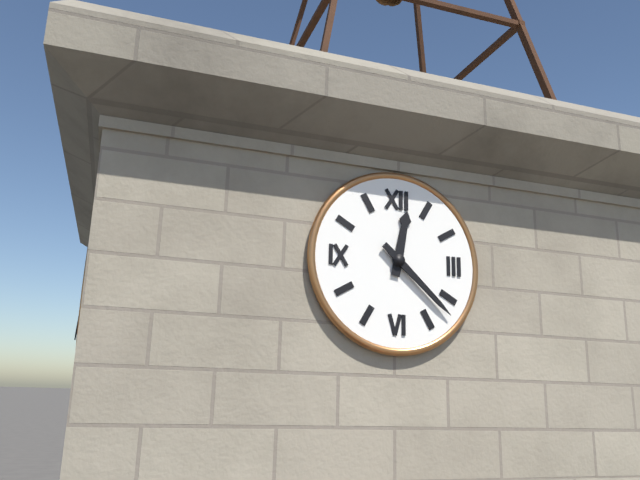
12:22
